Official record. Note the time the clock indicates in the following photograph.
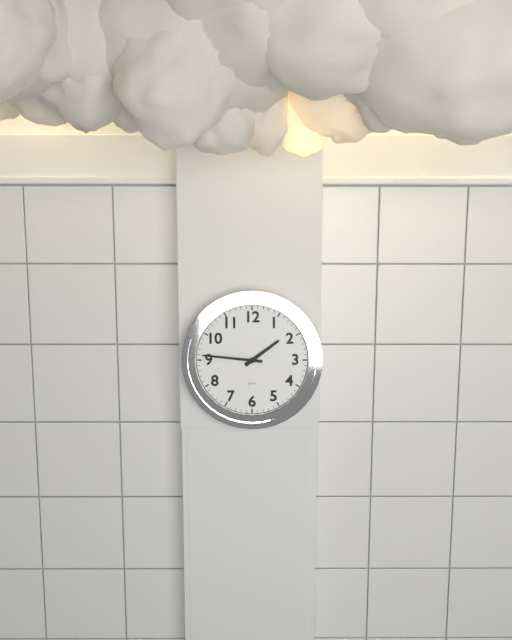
1:46
